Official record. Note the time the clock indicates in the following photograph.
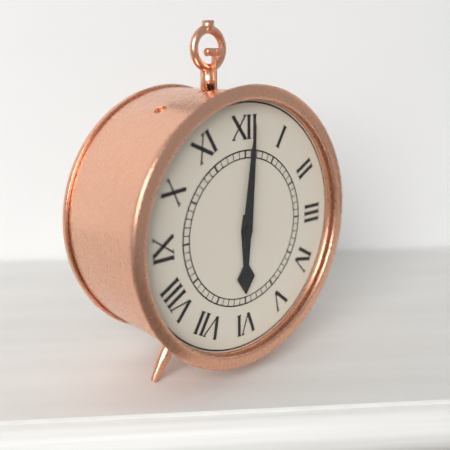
6:01
